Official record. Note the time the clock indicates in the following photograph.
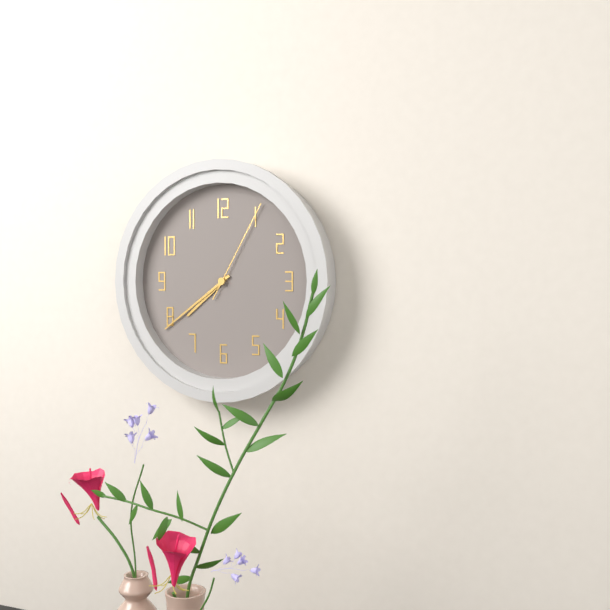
7:39:05
